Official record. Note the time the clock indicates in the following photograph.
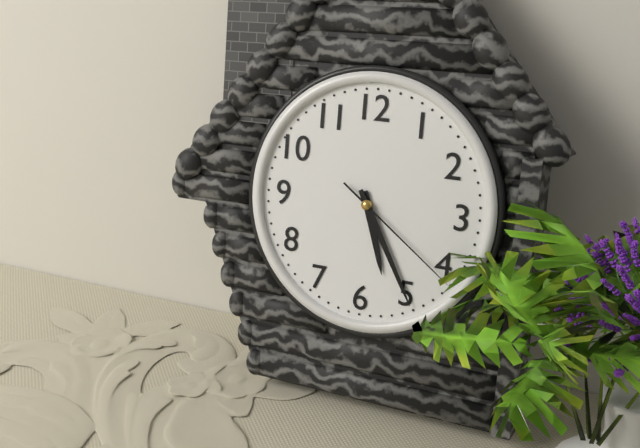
5:25:21
